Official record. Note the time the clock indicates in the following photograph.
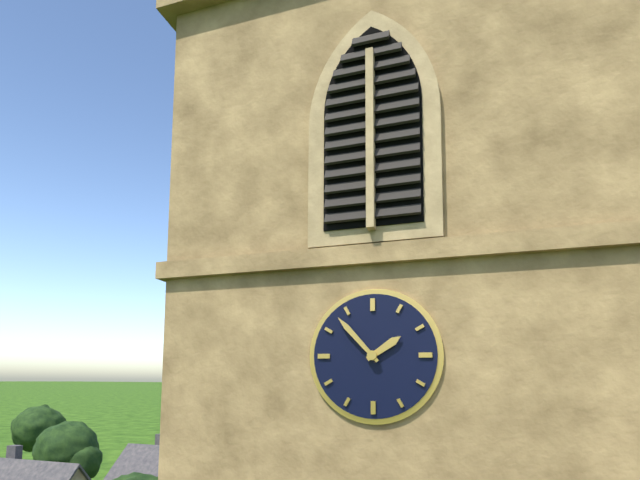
1:53
